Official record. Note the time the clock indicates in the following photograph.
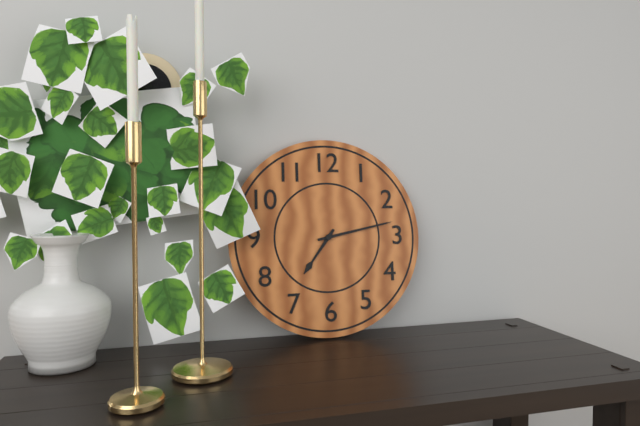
7:13
